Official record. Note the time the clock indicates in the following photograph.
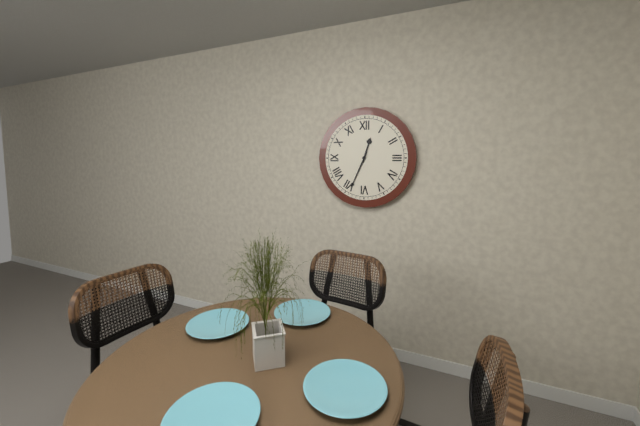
12:34
